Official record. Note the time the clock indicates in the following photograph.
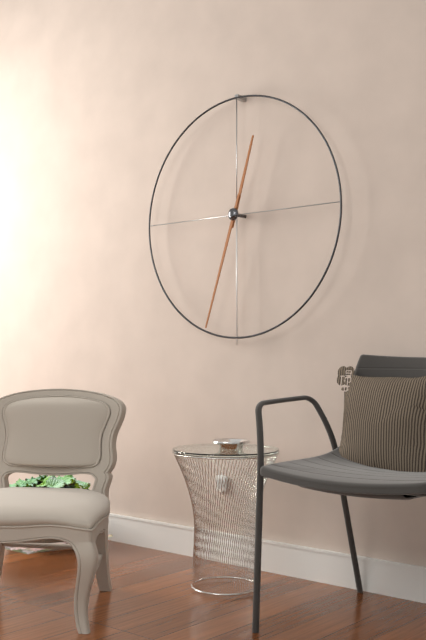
12:33
